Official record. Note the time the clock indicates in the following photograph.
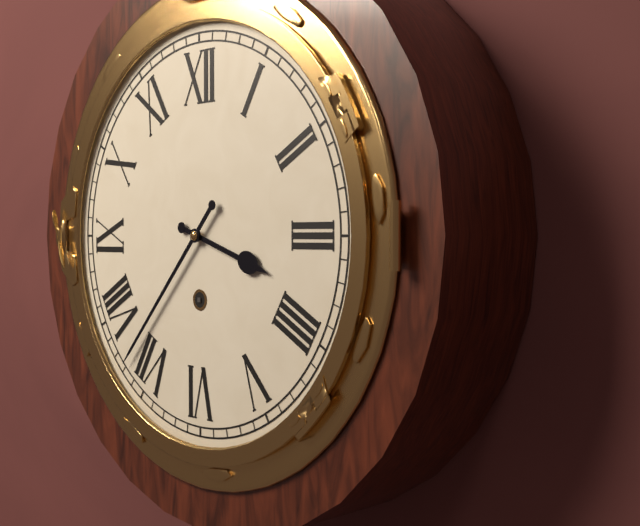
3:37
